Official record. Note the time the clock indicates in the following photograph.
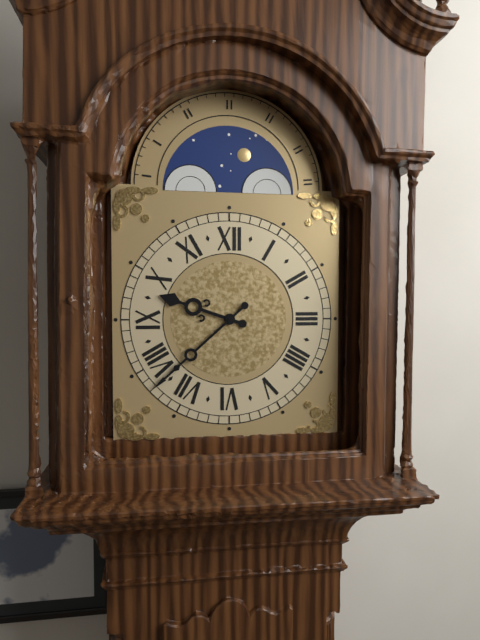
9:38
